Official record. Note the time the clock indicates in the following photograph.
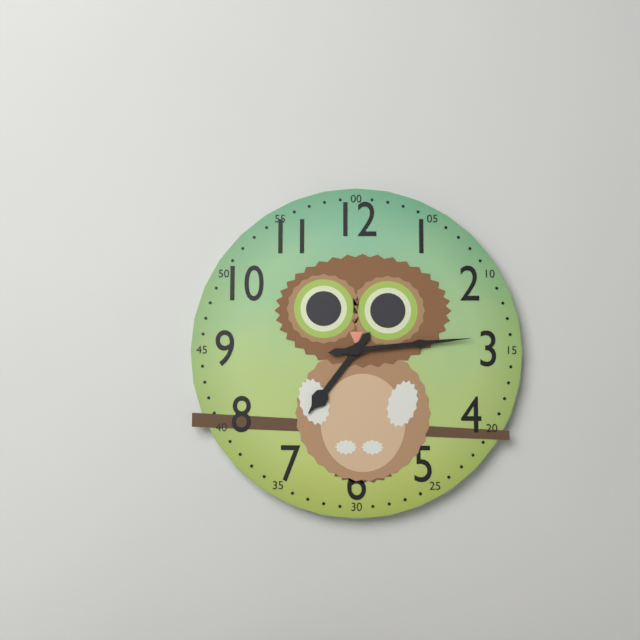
7:14
